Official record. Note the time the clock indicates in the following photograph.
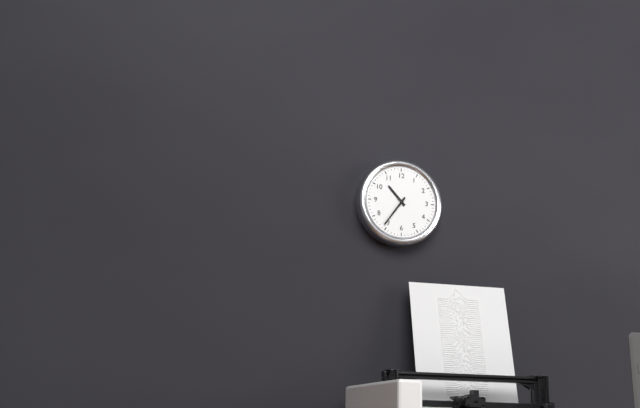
10:36
